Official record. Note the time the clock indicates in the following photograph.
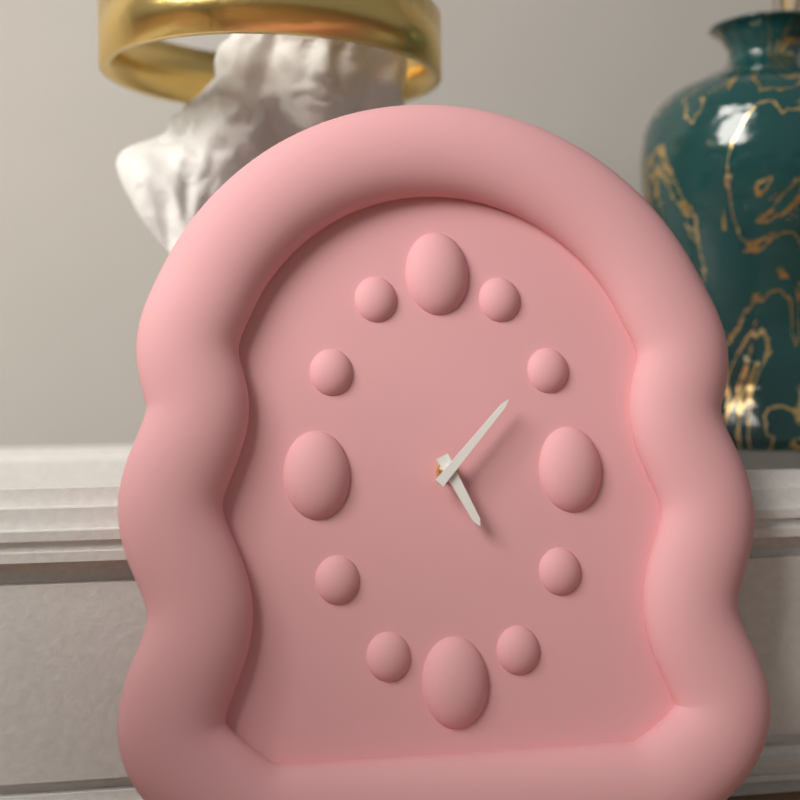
5:07
